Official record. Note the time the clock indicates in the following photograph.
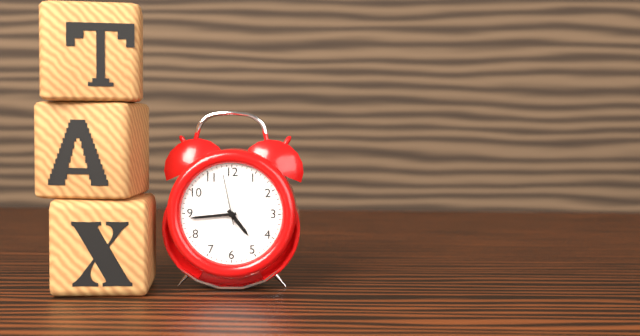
4:44:58
